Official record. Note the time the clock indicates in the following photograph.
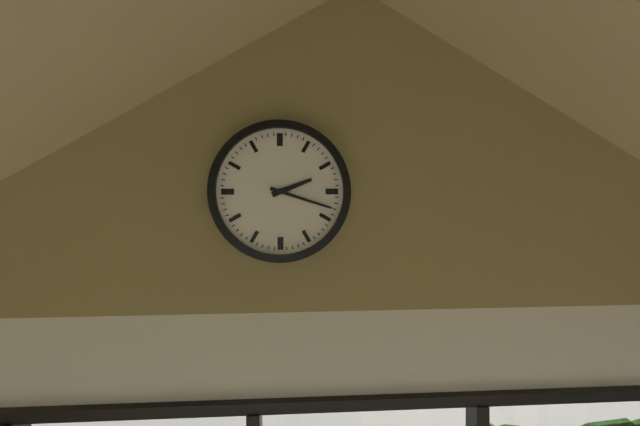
2:18
